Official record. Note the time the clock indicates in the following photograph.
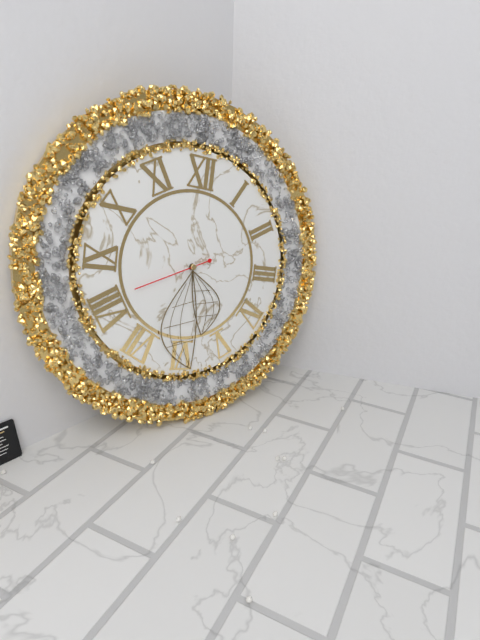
5:29:41
